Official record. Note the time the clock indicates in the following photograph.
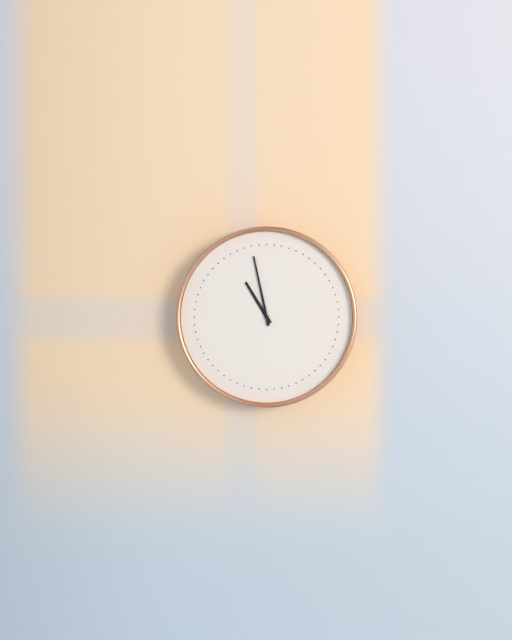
10:58
